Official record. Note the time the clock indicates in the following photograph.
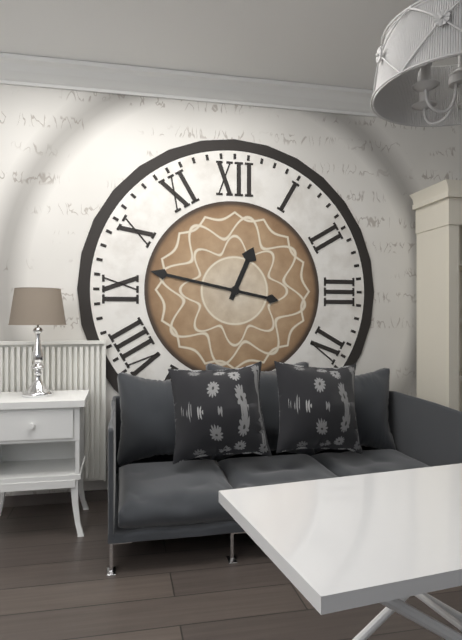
12:47
